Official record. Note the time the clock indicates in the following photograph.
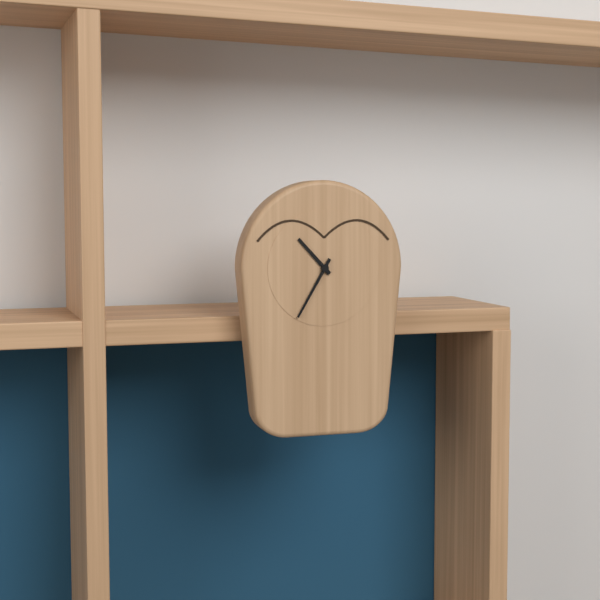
10:35
